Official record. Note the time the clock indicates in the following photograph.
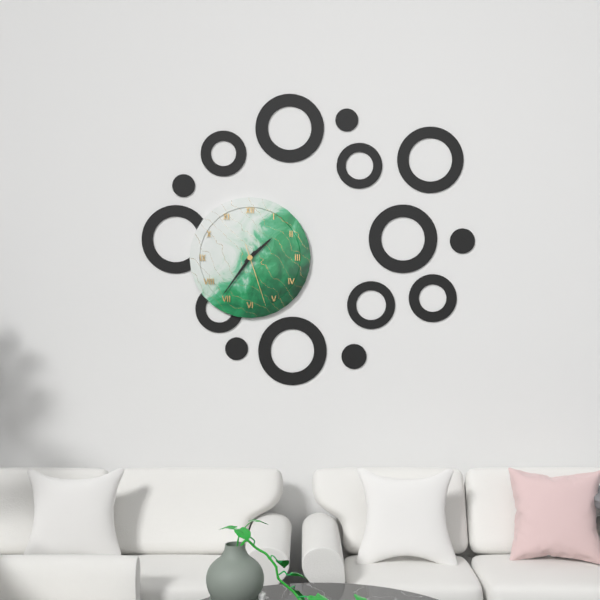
1:36:27
